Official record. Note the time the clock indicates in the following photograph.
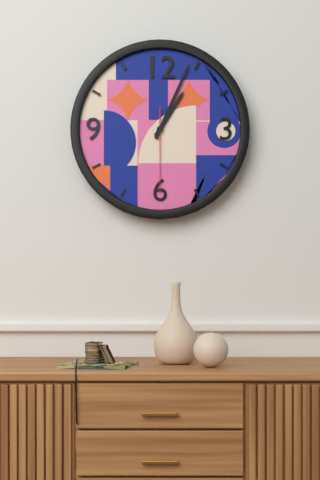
1:04:30
